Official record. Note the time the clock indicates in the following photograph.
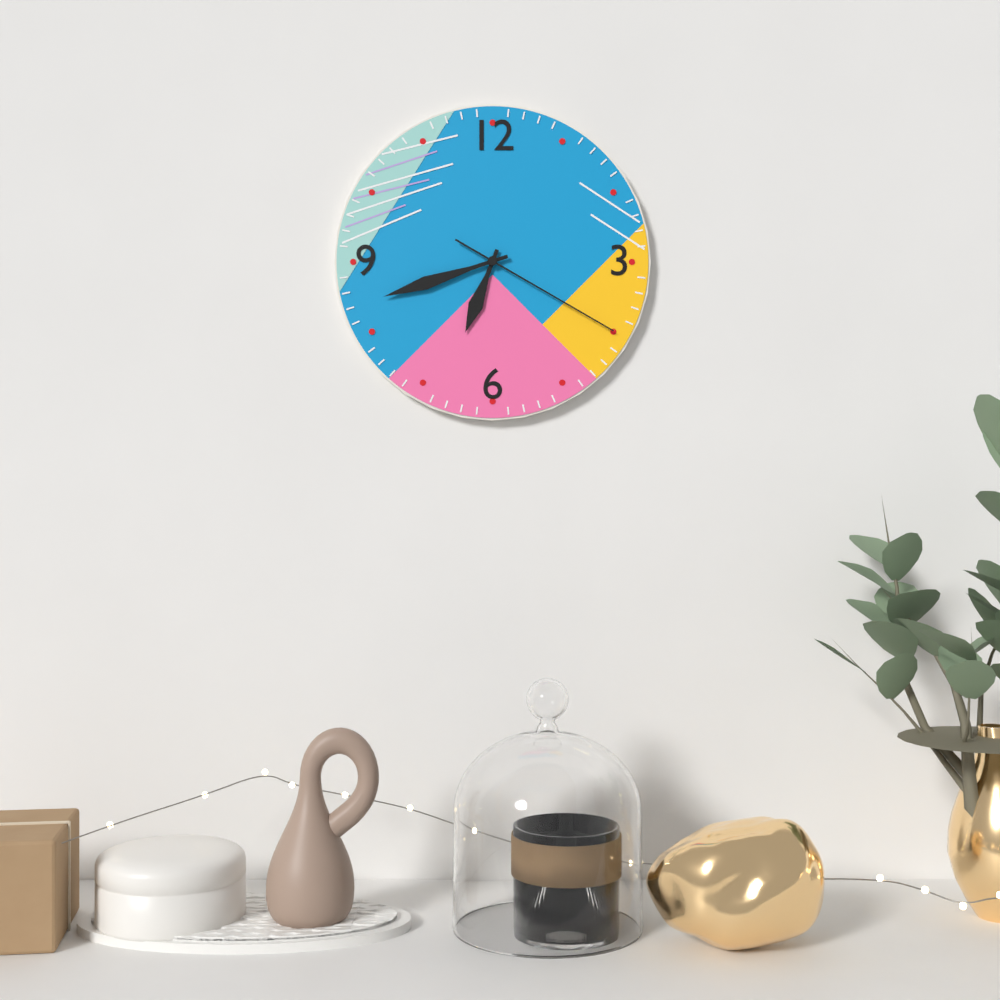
6:42:20
